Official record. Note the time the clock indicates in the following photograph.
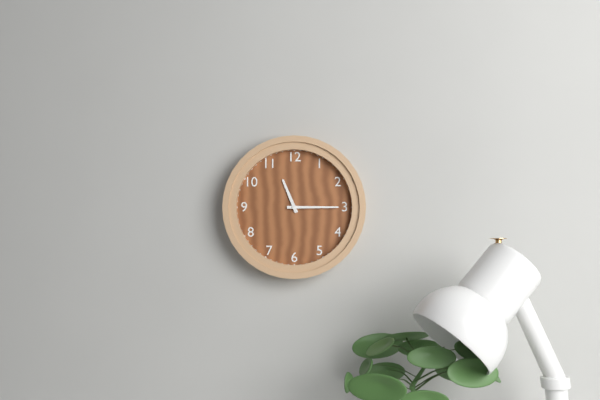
11:15
